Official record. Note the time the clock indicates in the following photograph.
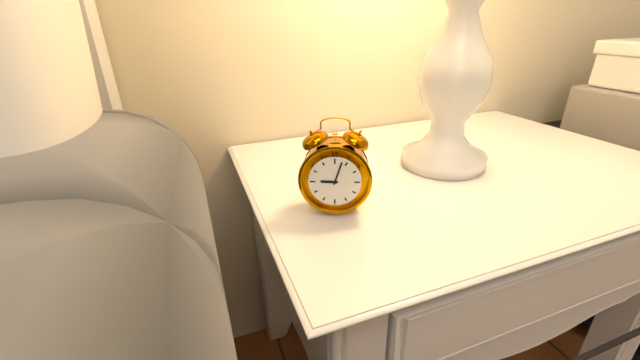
9:03
